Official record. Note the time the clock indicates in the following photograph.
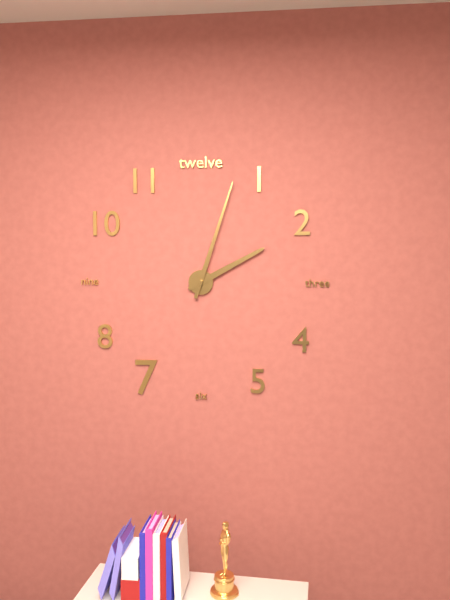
2:03
